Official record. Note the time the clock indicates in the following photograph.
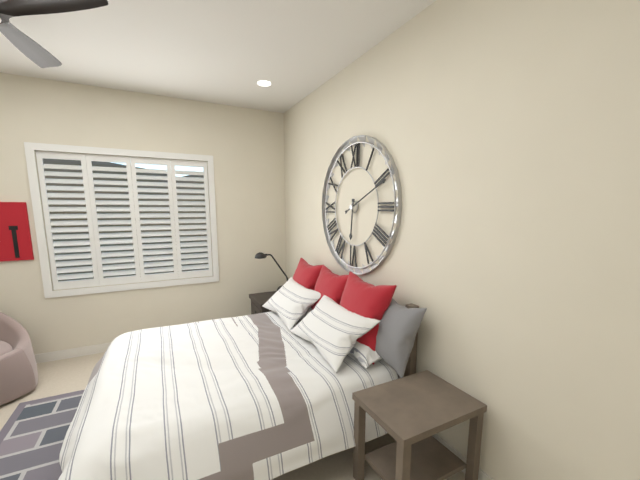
6:11
